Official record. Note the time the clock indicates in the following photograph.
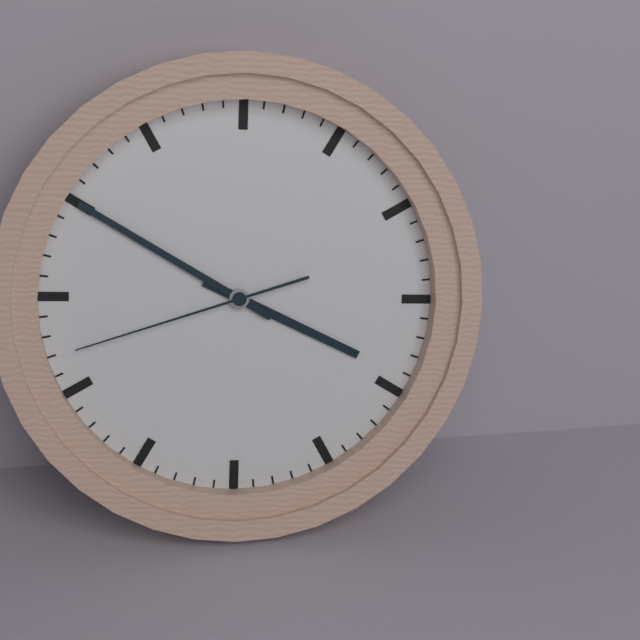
3:50:42
